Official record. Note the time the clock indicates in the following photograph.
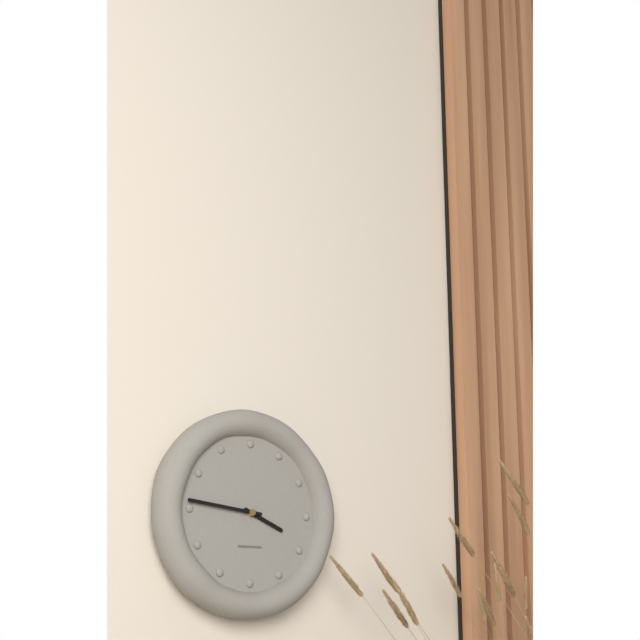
3:46
